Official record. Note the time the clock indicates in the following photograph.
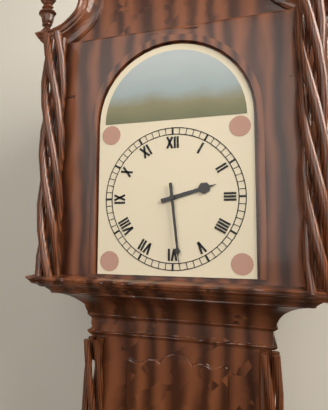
2:29
